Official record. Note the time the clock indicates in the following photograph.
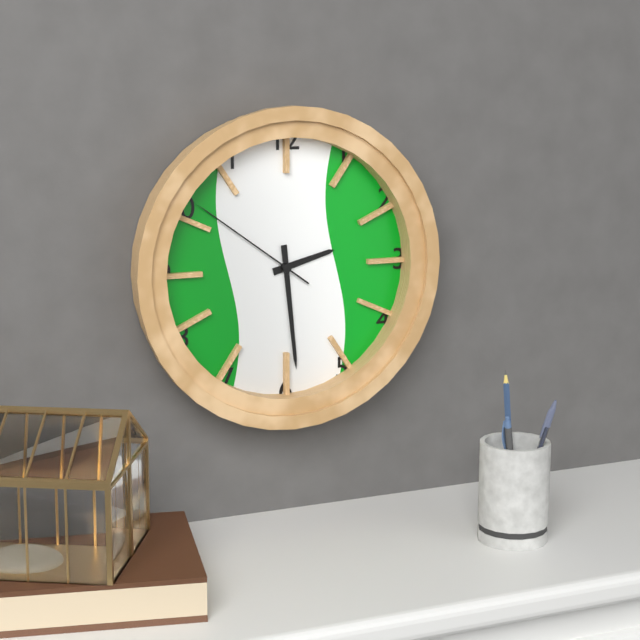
2:29:51
